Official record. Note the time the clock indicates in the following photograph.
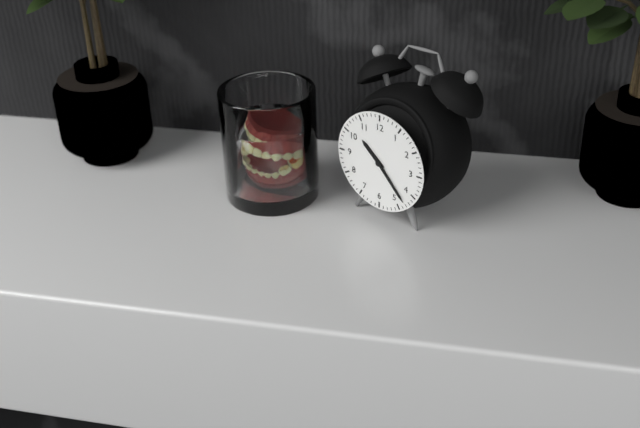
10:23
